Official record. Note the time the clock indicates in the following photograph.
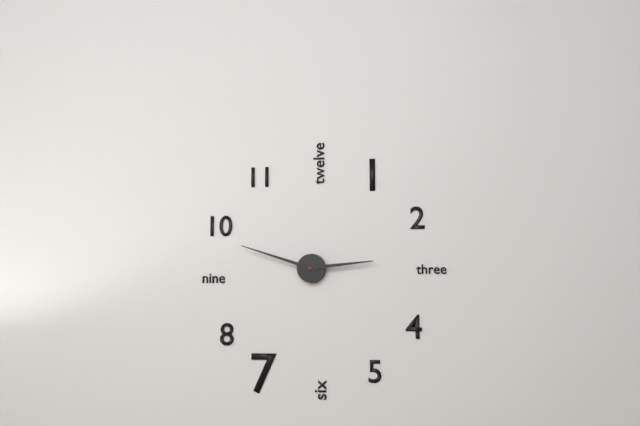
2:48
